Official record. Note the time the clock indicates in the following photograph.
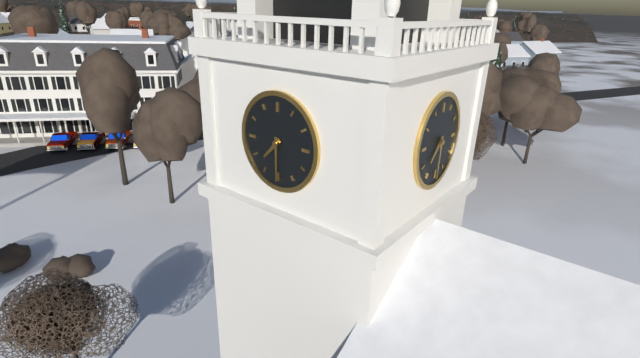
7:30
